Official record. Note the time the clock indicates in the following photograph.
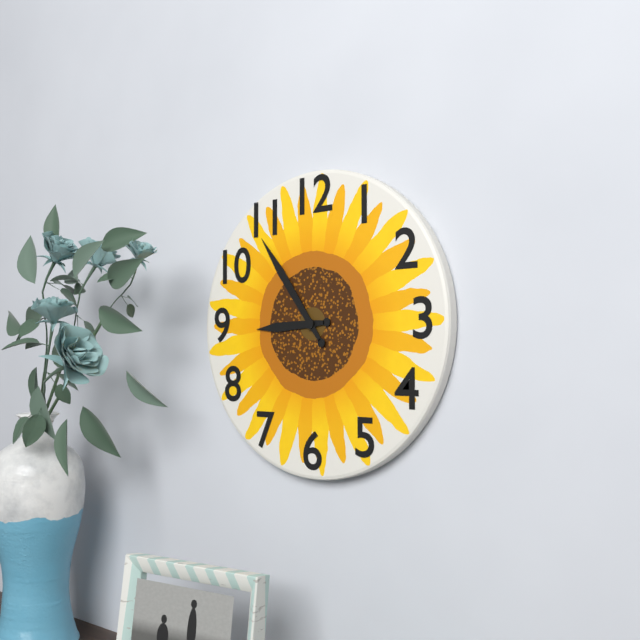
8:54
